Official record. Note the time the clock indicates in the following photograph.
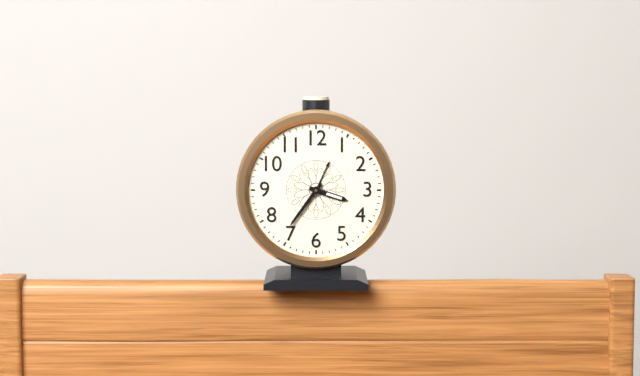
3:36
